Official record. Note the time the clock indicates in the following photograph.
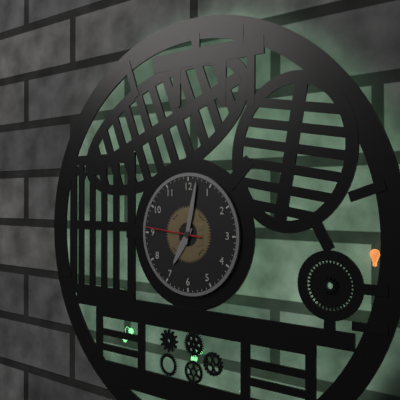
7:02:46
